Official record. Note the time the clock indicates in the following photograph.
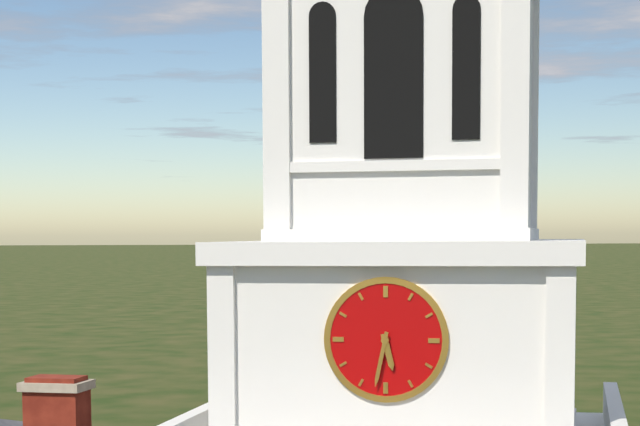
5:32
